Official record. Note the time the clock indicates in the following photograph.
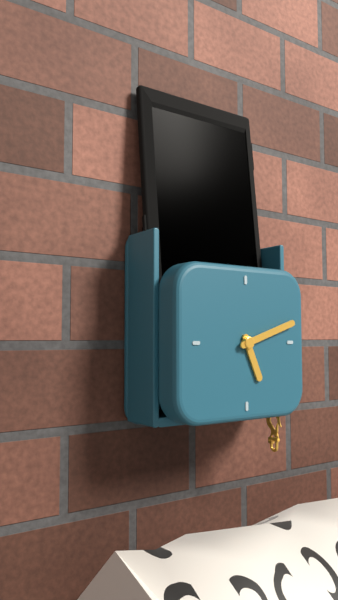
5:12
